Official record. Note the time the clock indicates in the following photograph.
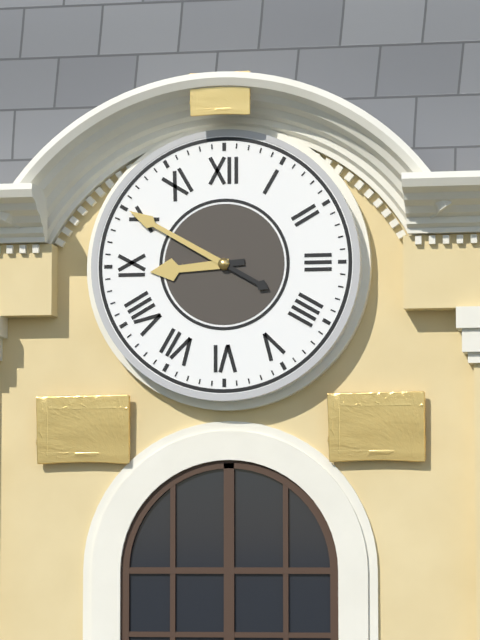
8:50
